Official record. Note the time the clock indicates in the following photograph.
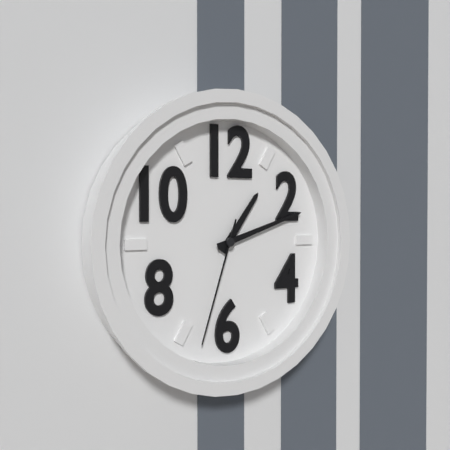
1:12:33
